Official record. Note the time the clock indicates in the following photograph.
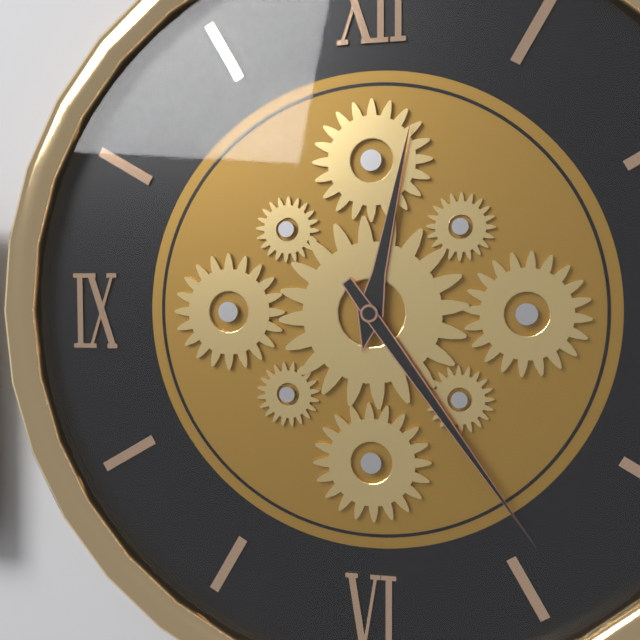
12:24
